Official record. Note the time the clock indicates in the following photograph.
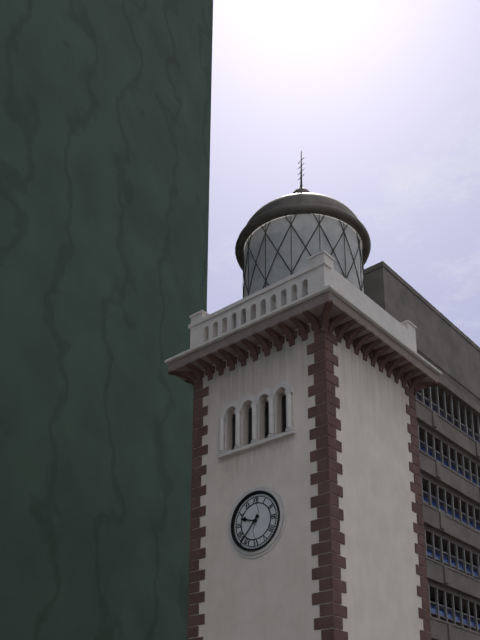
9:37
